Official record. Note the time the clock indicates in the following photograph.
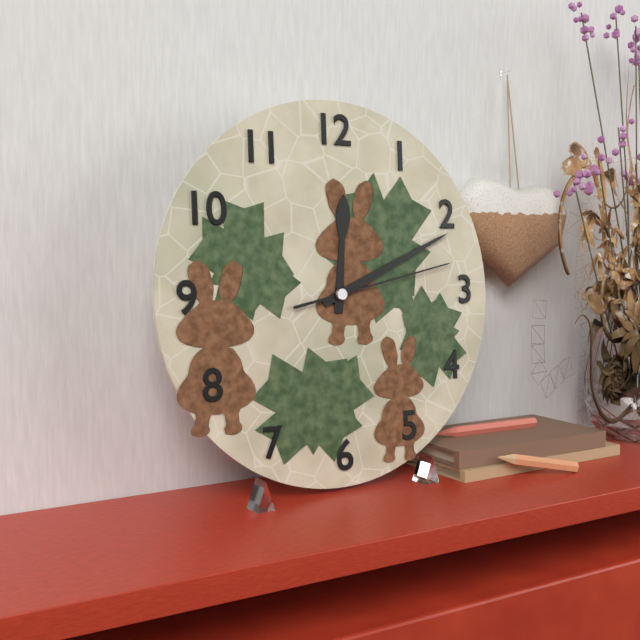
12:11:13
